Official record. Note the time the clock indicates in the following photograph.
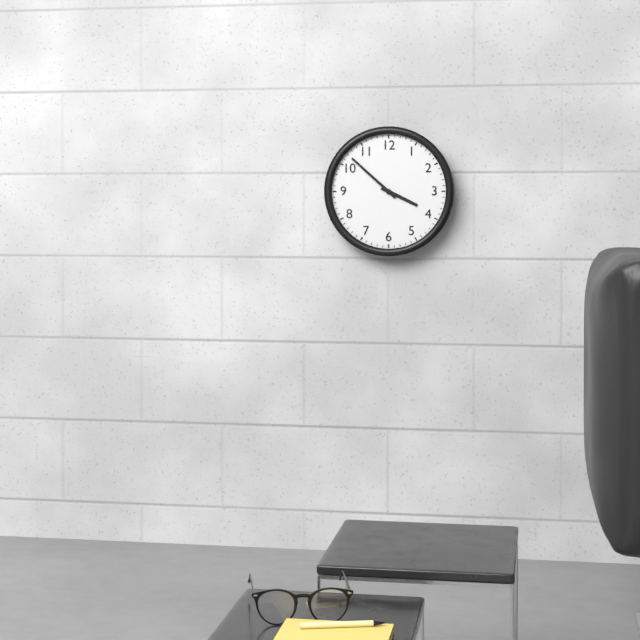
3:52
